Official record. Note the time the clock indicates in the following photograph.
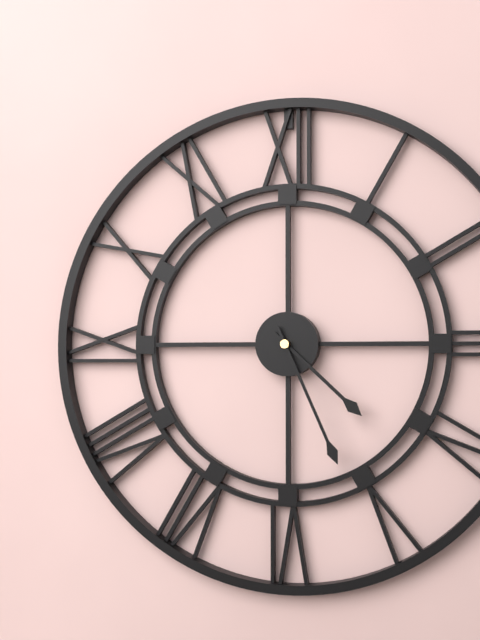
4:26
